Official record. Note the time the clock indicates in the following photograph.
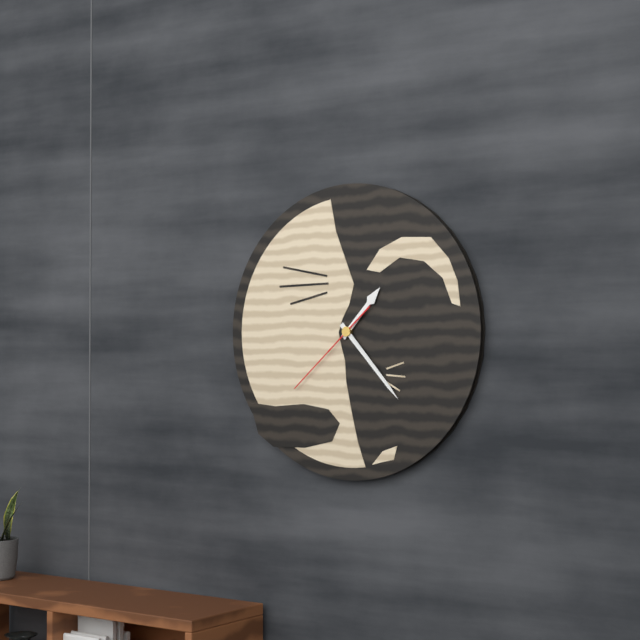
1:23:38
